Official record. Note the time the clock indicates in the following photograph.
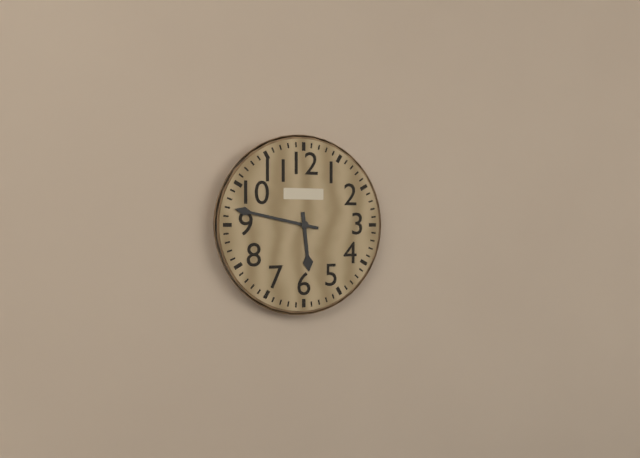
5:47
